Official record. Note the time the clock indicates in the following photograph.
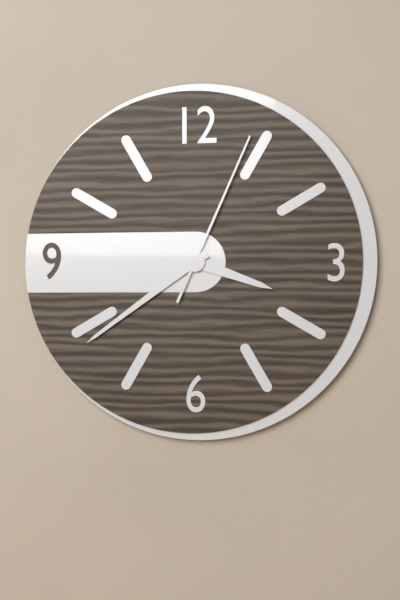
3:39:04
